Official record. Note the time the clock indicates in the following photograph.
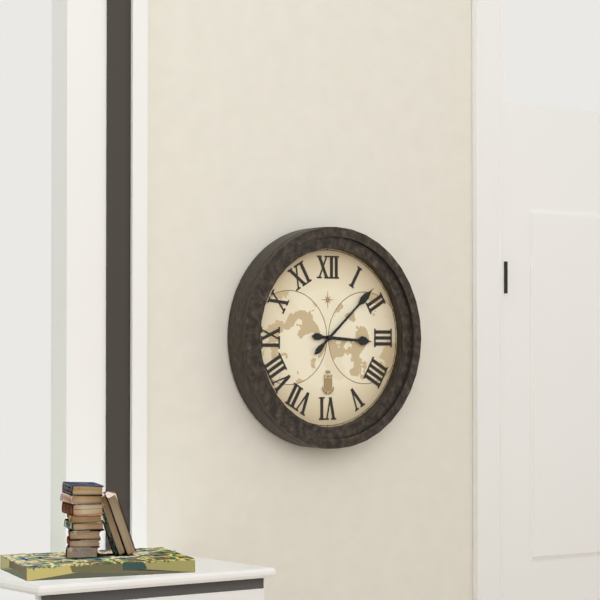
3:08
